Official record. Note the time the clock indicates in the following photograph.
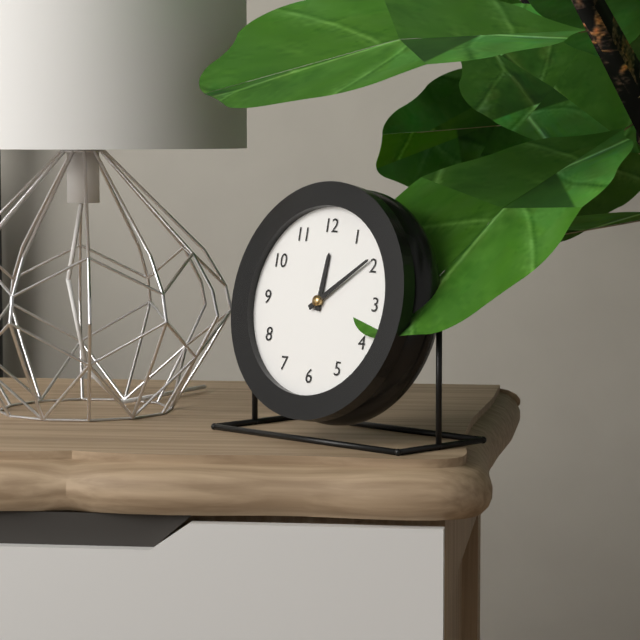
12:09
